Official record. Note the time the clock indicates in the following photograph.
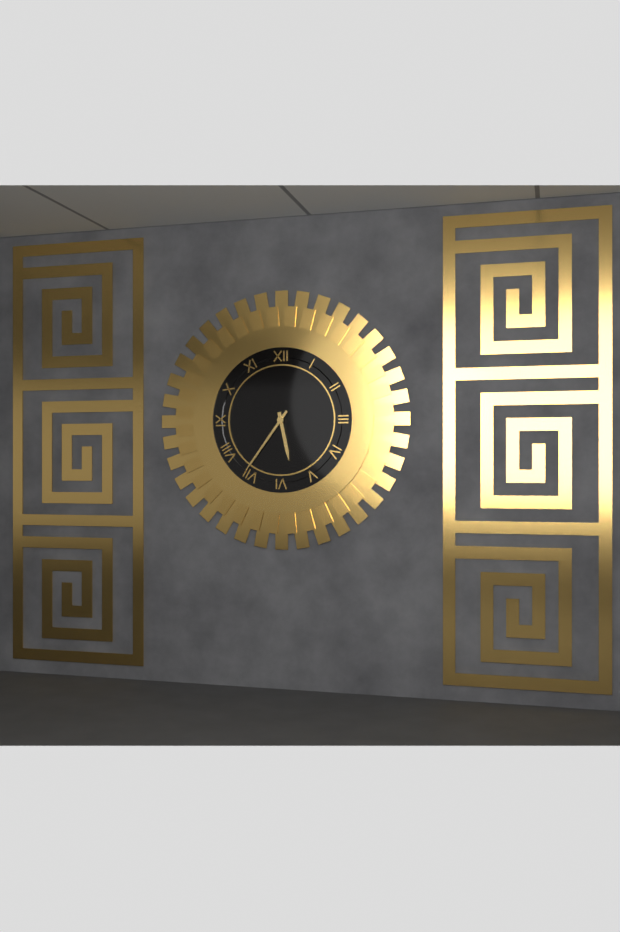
5:36
